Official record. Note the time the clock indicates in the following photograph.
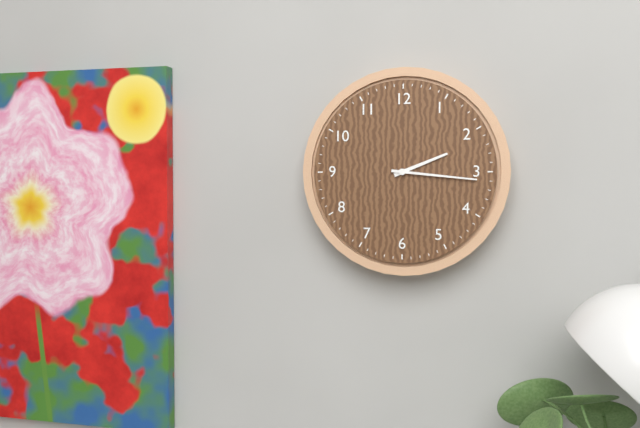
2:16
